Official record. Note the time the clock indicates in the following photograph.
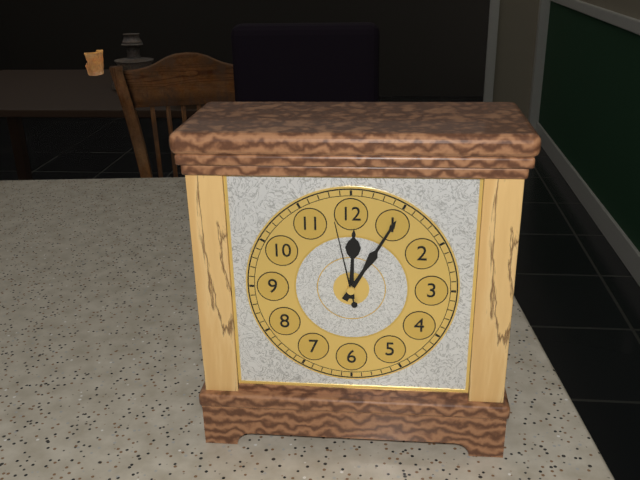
12:05:58
